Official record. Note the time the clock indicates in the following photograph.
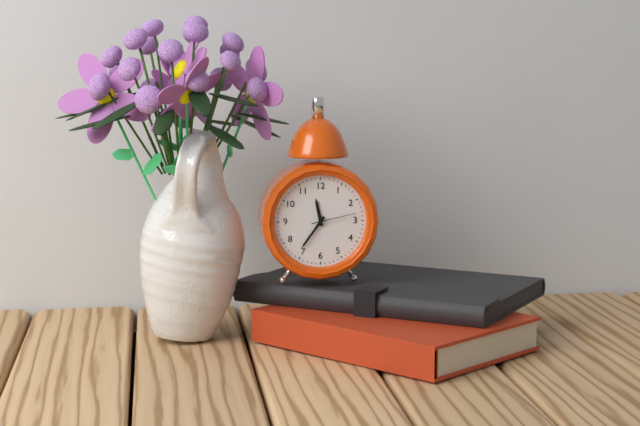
11:36
